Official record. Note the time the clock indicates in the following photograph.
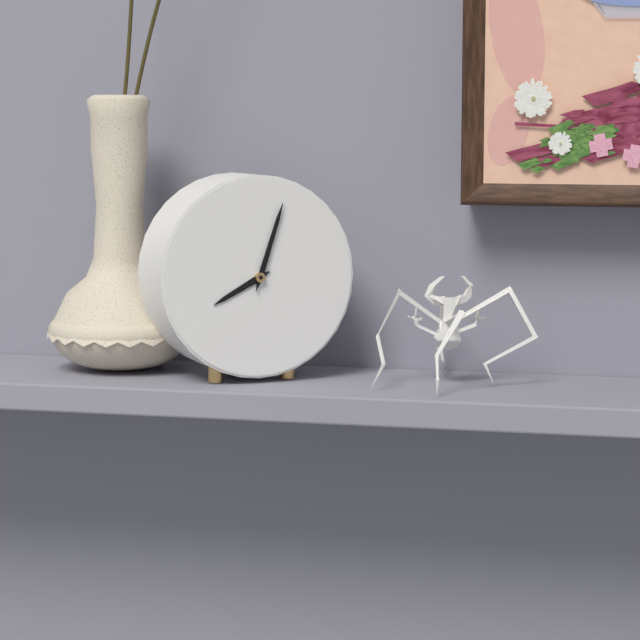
8:03
